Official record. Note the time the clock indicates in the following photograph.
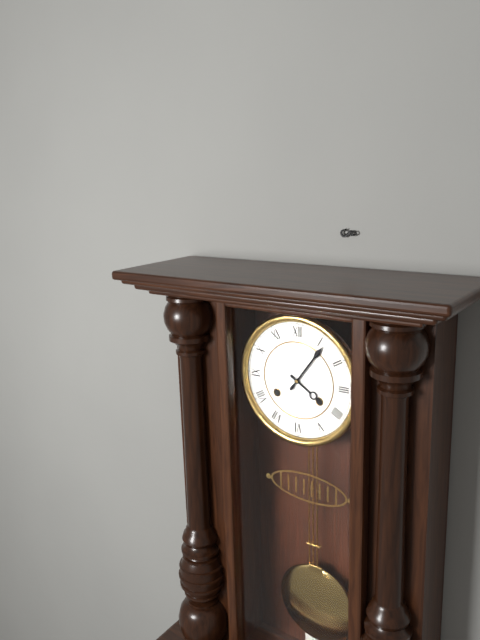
4:06
